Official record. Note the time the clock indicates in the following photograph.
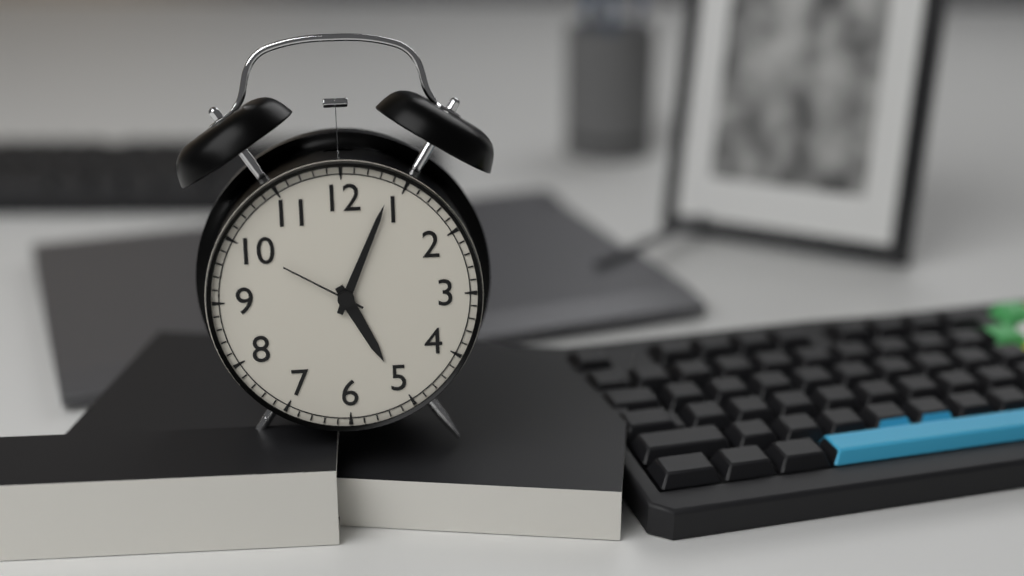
5:04:50
